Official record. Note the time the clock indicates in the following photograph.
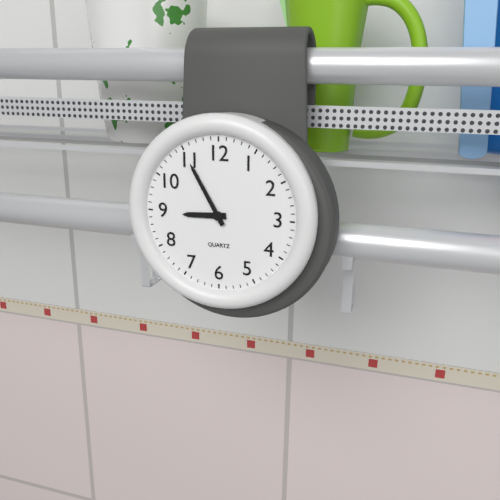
8:55
